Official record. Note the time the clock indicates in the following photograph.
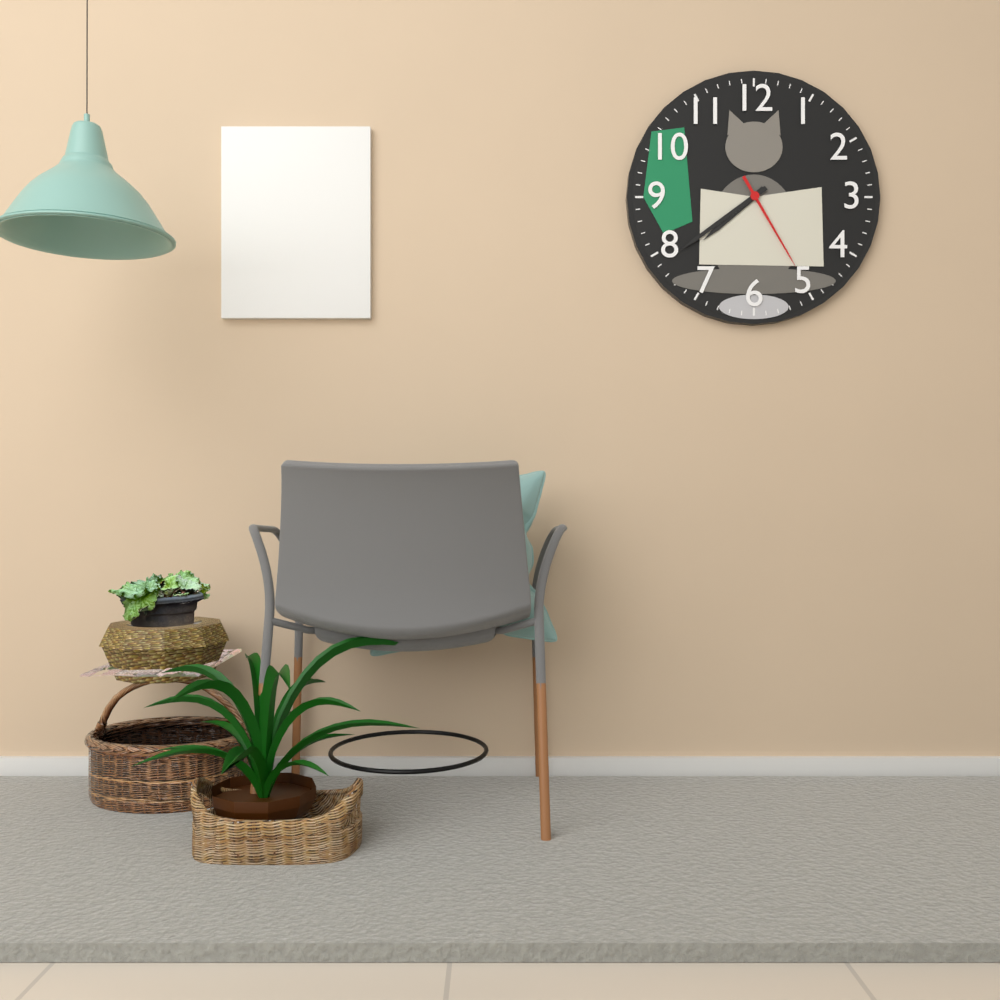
7:39:25
